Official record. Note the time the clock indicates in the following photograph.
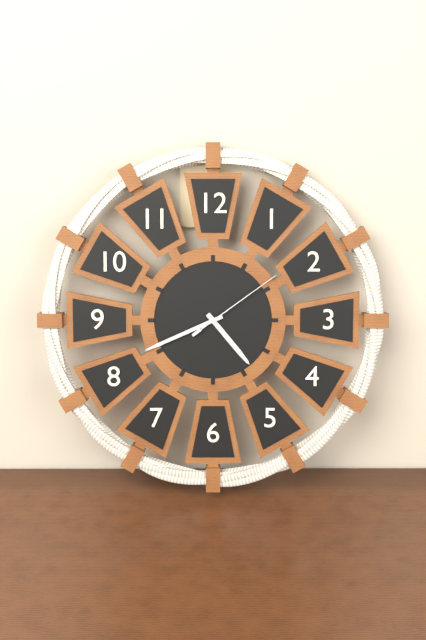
4:41:09
